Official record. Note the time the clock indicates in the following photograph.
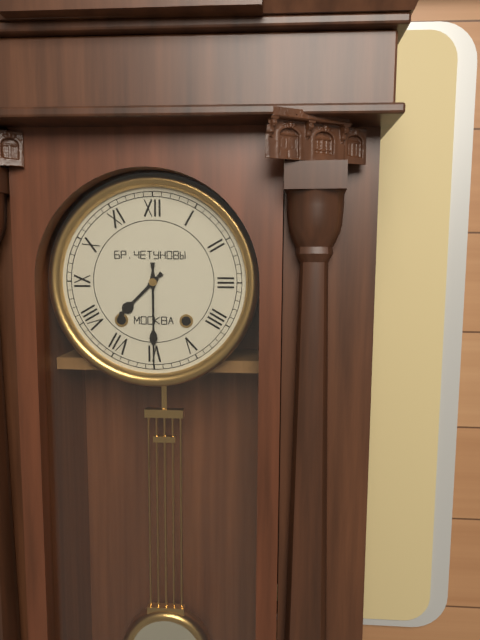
7:30
